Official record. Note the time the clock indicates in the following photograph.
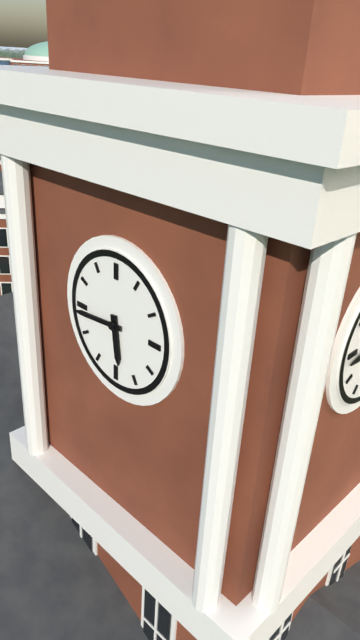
5:44
